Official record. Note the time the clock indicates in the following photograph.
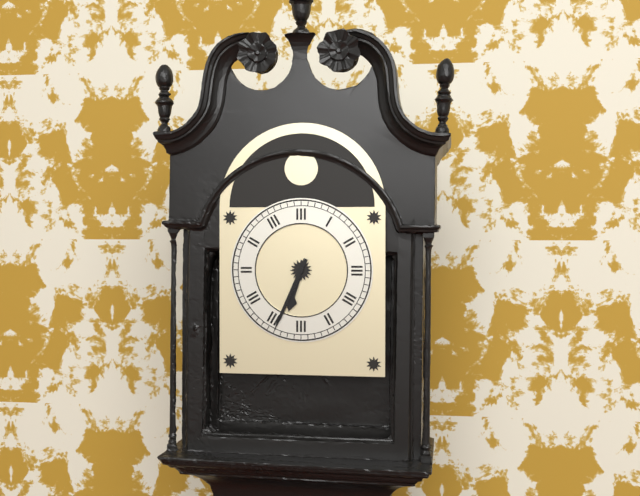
6:34
